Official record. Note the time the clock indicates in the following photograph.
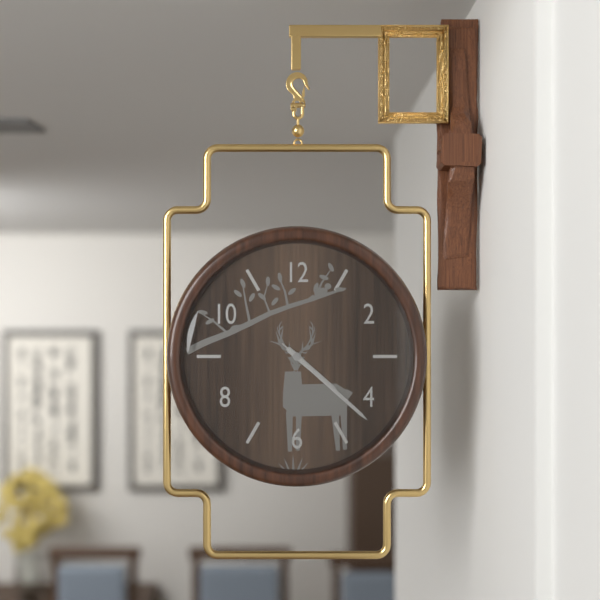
4:22:22
